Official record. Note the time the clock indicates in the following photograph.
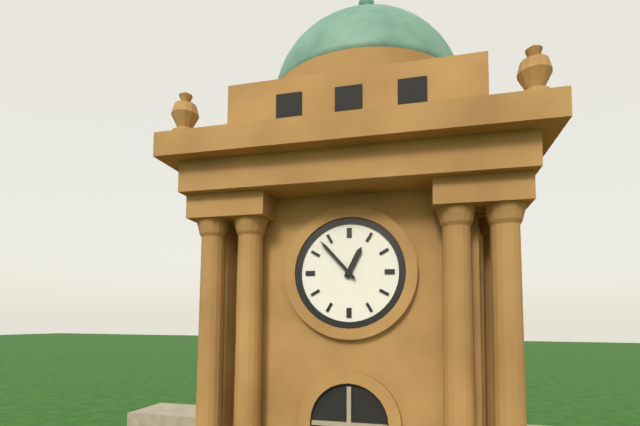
12:53
